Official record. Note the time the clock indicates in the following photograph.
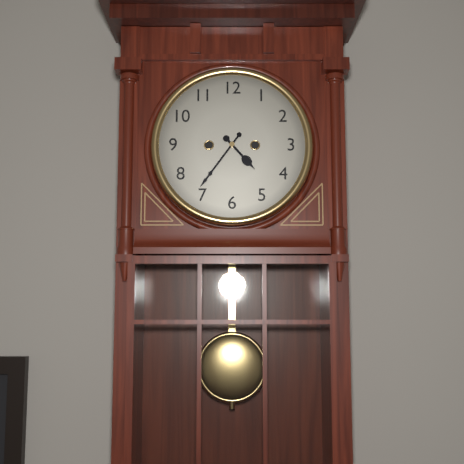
4:36
